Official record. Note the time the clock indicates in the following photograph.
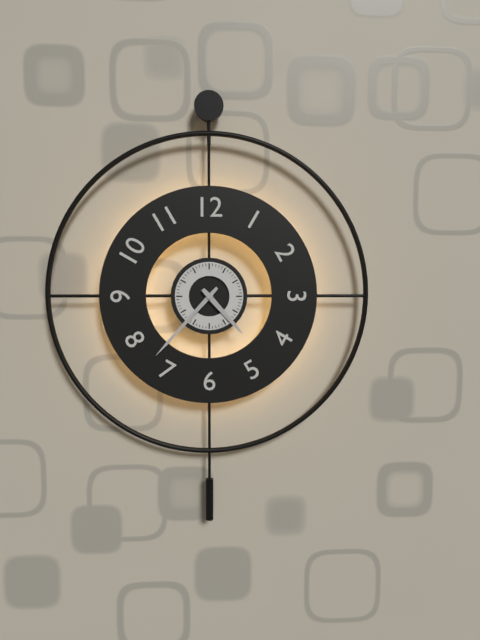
4:37
